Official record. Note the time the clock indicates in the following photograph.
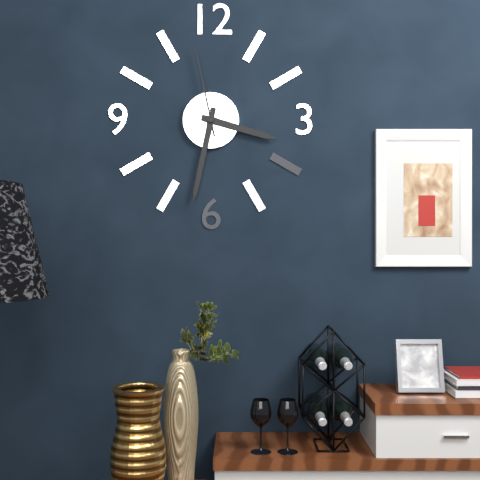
3:32:58
